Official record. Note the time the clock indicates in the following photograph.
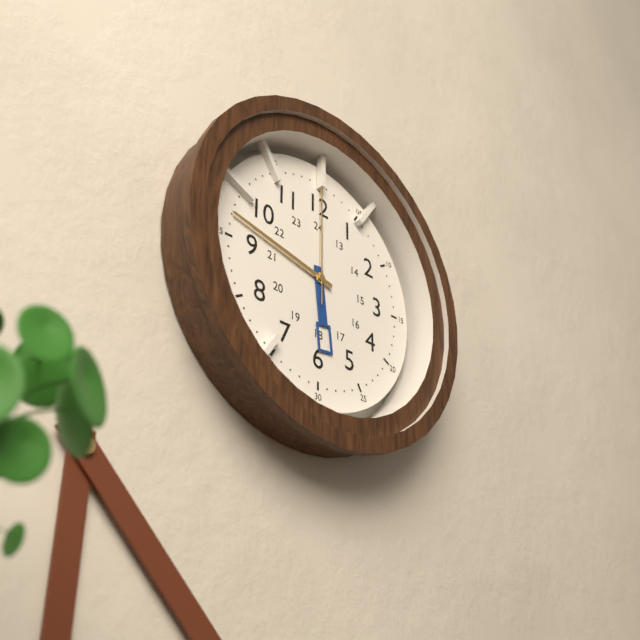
5:47:00
